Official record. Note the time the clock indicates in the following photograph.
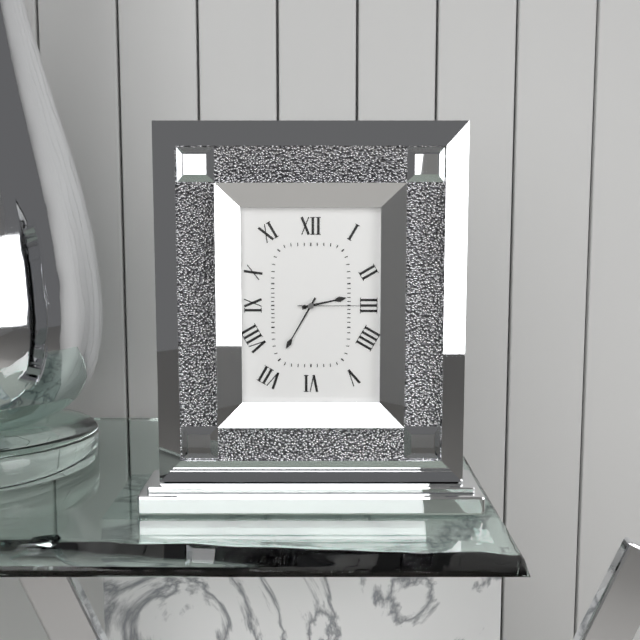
2:35:15
